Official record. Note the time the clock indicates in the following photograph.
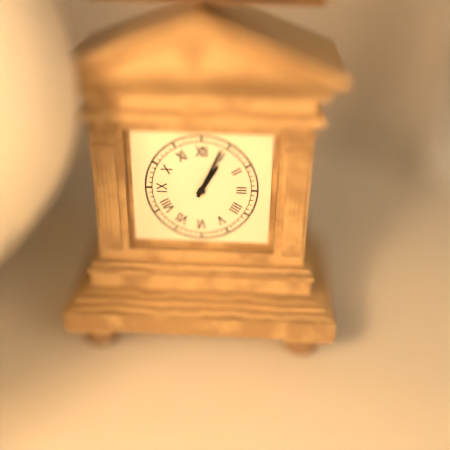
1:04
